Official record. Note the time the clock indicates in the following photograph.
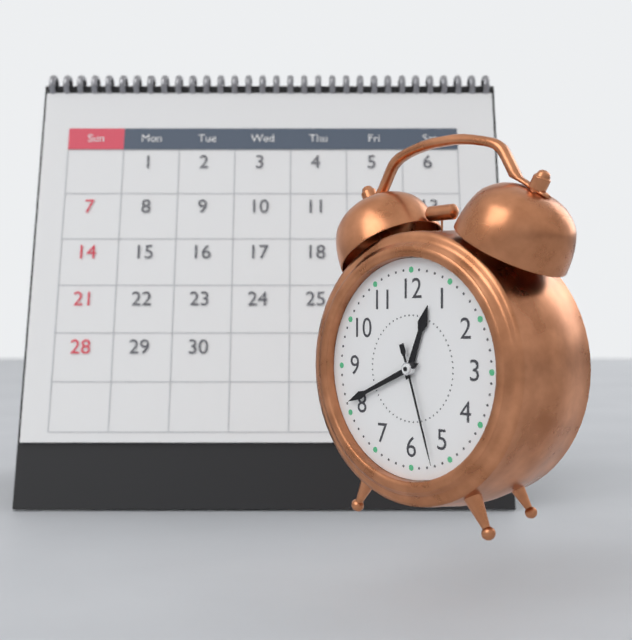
12:41:27
